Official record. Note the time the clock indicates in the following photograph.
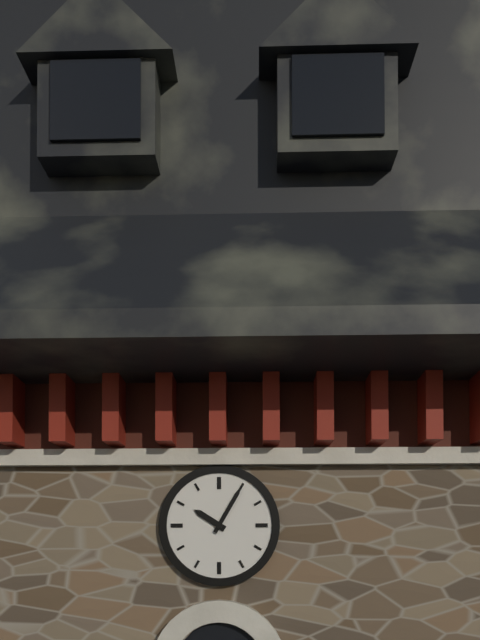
10:05
